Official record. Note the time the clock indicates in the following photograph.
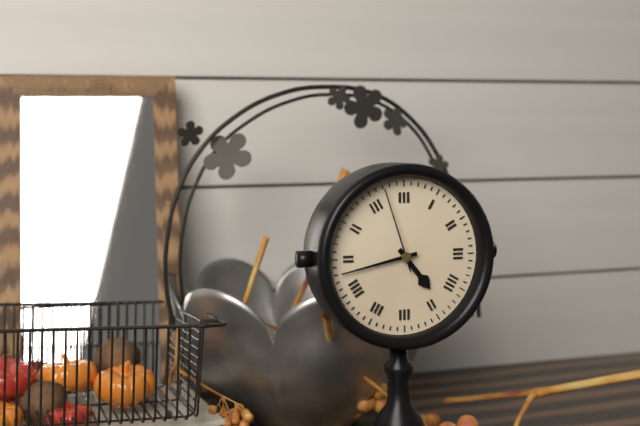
4:43:57
